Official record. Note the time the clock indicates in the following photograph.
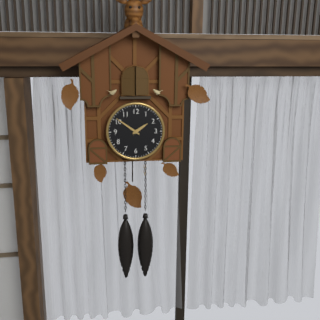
1:51
